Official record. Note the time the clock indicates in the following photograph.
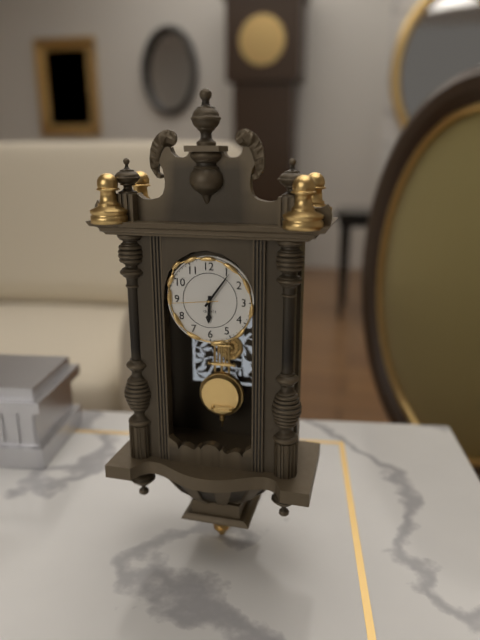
6:06
